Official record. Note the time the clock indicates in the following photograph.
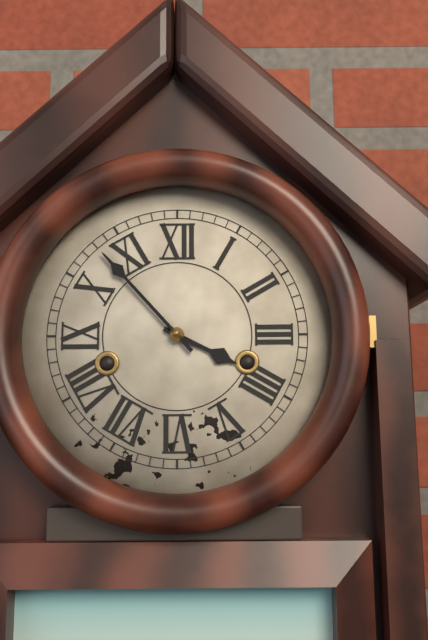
3:53
